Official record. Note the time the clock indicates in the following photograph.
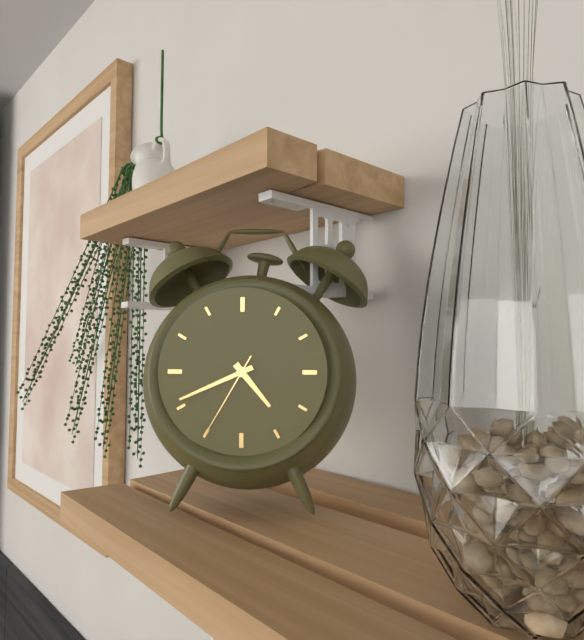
4:41:35
